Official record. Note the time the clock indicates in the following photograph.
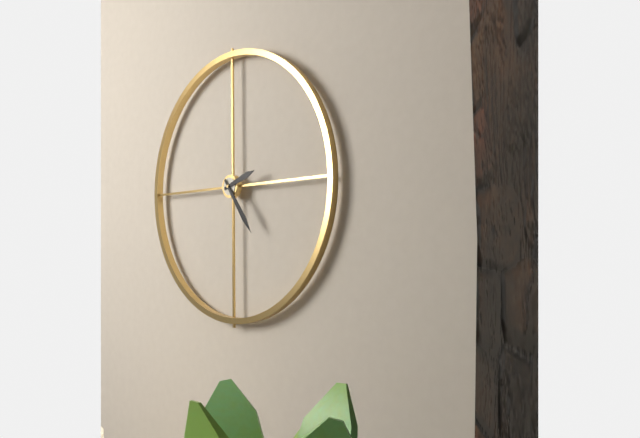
2:24
